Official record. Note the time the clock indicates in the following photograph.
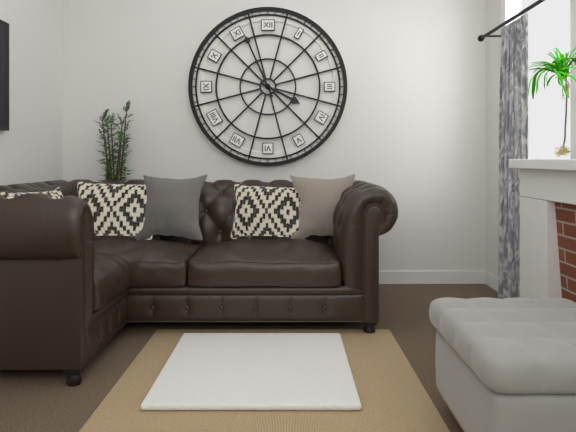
3:56
